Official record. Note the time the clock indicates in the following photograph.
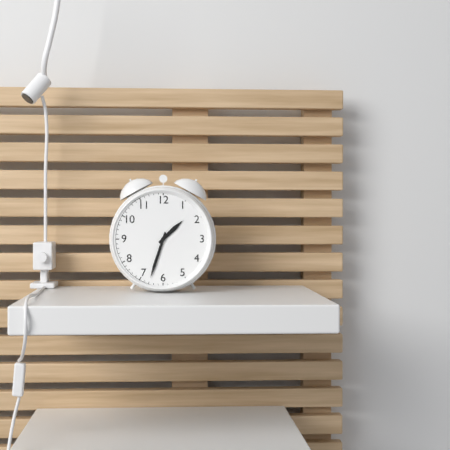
1:33
